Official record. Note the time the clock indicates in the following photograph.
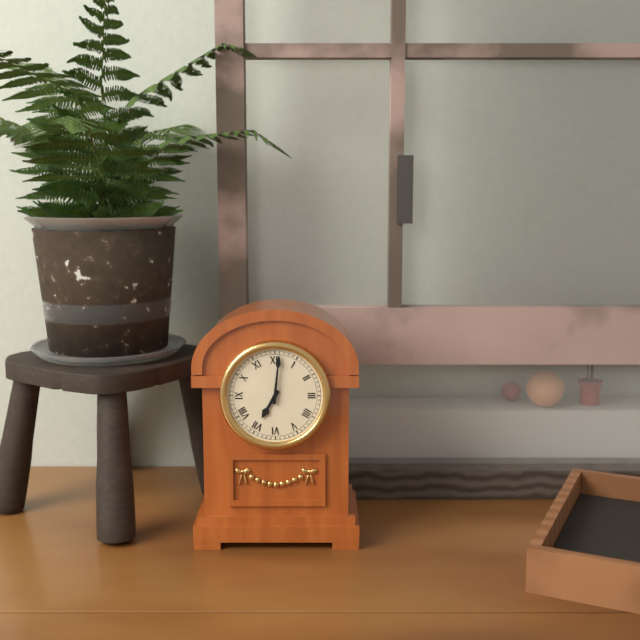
7:01
